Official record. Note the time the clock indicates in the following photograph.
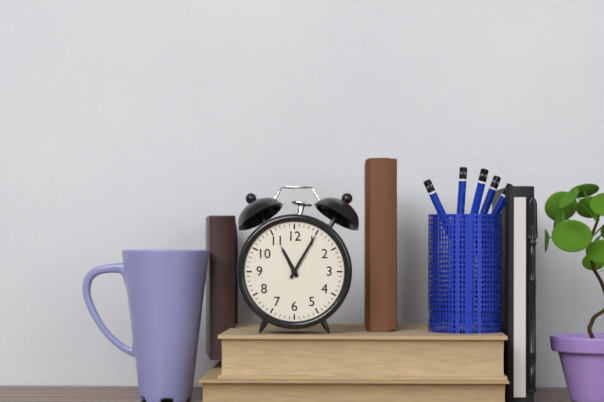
11:05
